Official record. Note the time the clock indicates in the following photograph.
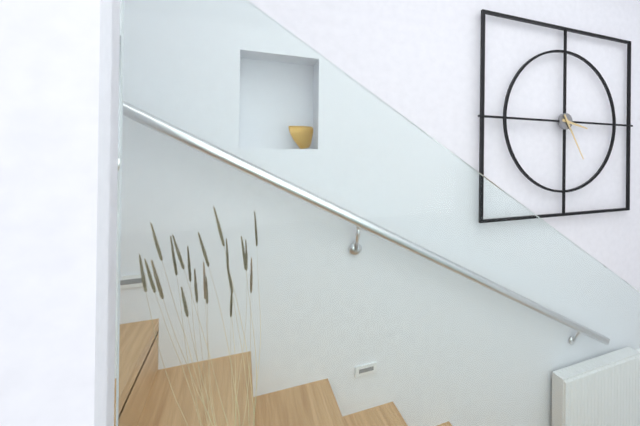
3:25
